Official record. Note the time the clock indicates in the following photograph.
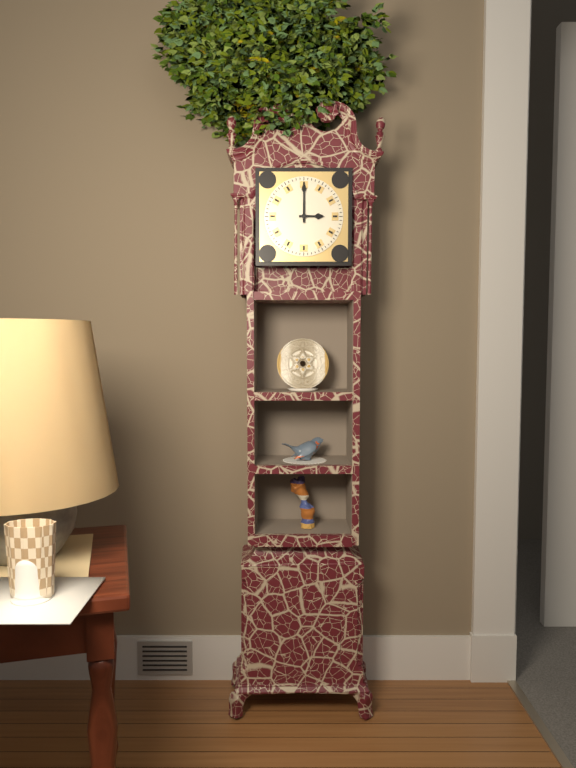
3:00
